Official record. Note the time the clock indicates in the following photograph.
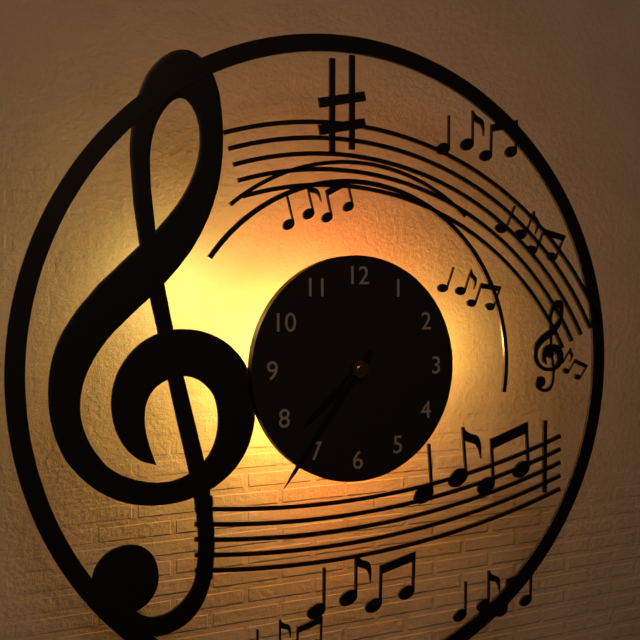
7:36
